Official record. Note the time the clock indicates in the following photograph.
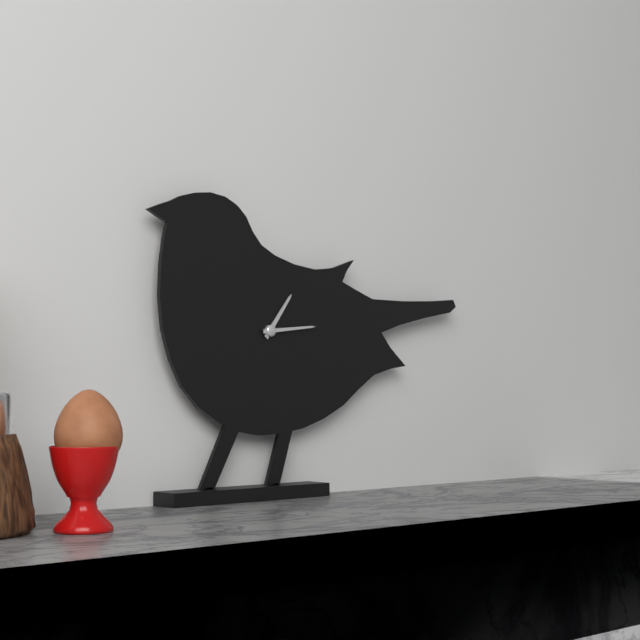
1:14
